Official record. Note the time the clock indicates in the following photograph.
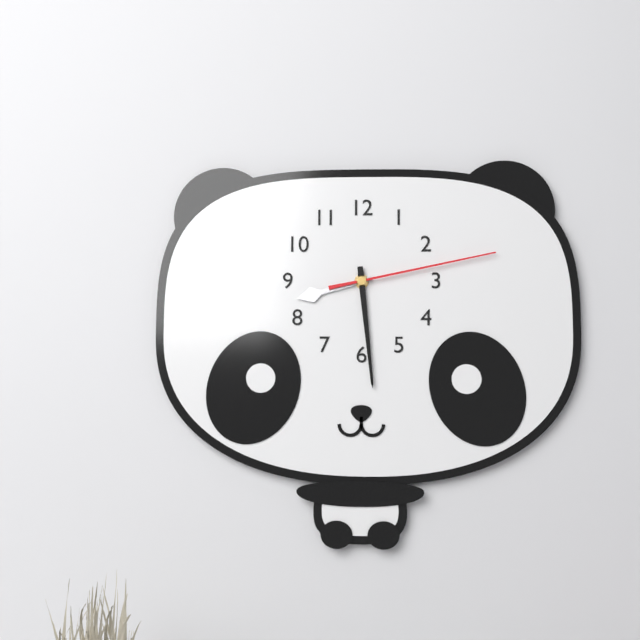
8:29:13
